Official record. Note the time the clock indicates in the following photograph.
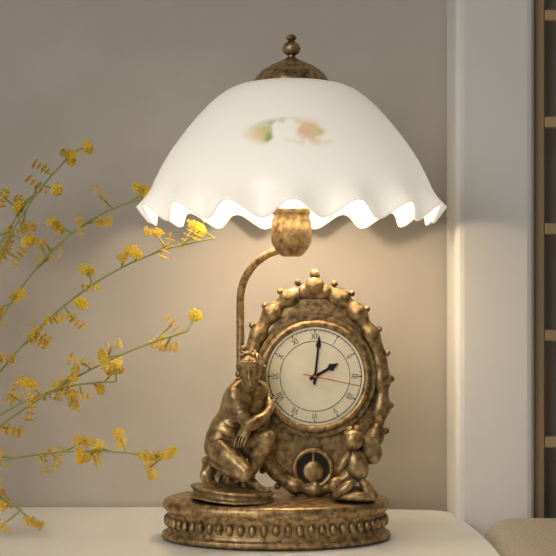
2:01:17
